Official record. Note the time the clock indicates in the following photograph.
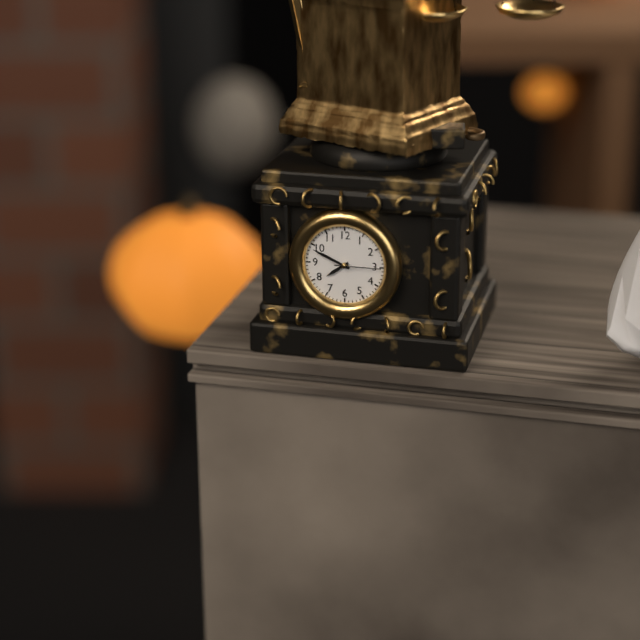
7:49
